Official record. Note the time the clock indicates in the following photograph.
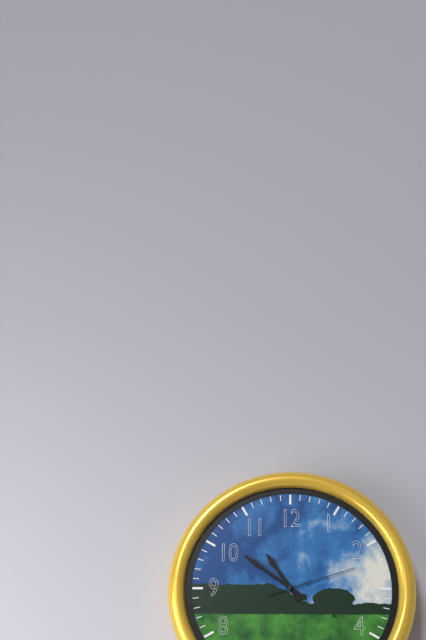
10:51:12
